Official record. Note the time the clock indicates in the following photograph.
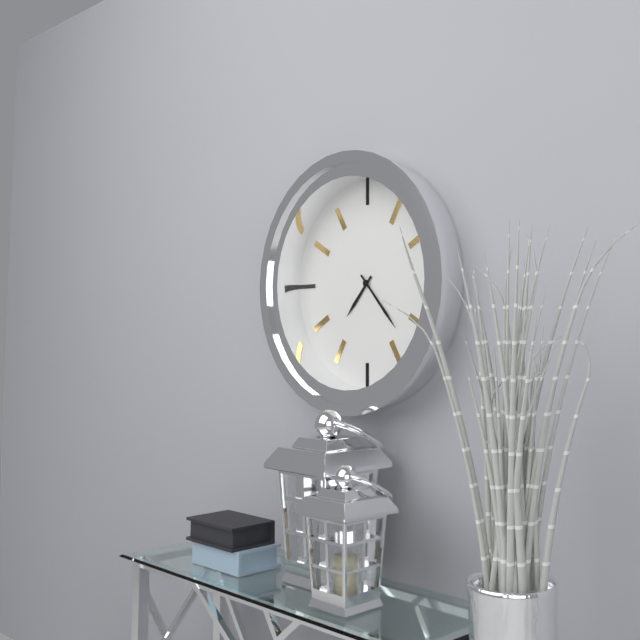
7:23
